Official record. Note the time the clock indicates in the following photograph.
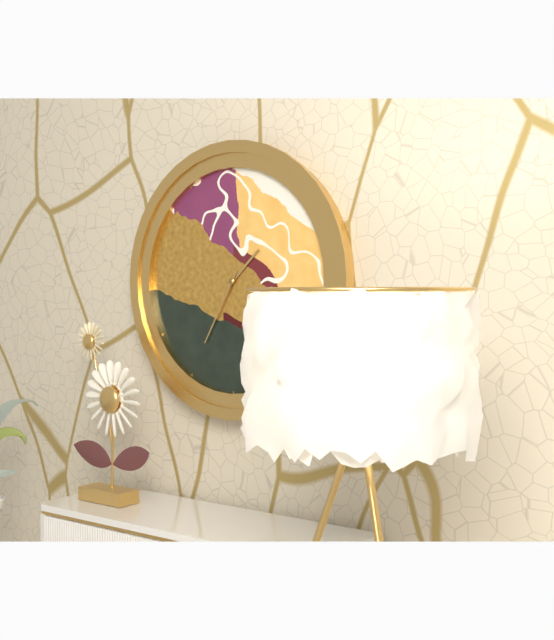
1:35
